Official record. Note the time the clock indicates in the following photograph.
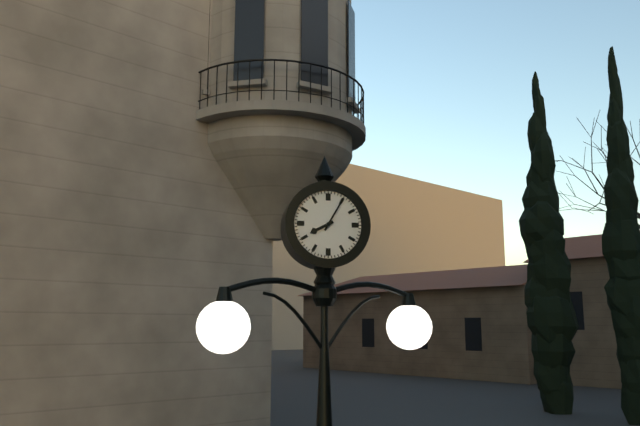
8:05
